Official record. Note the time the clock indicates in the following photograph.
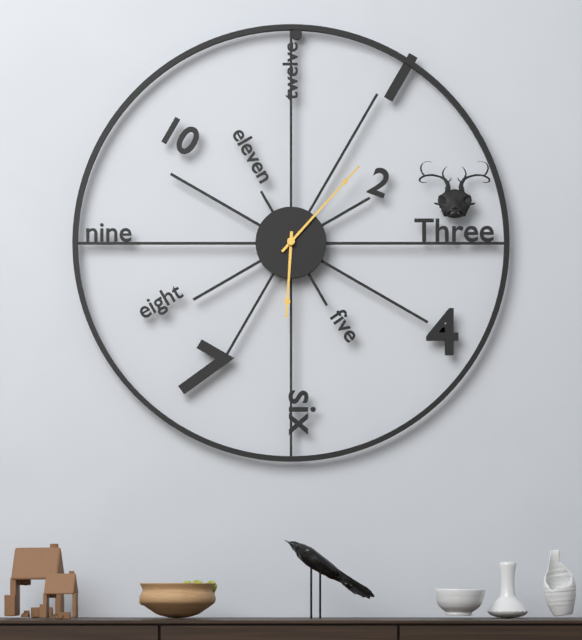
6:07
